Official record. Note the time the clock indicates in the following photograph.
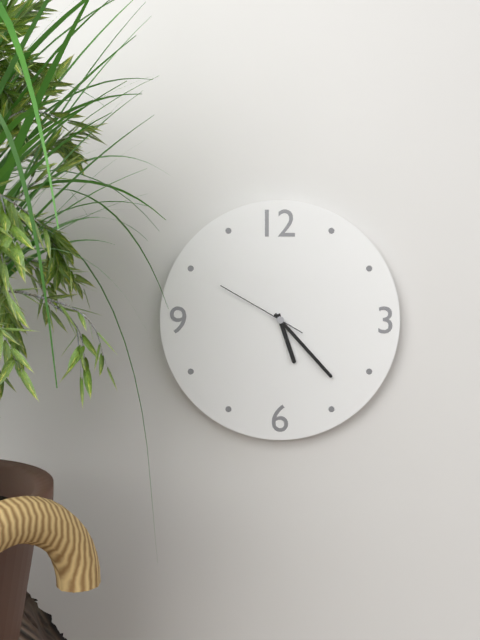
5:23:50
